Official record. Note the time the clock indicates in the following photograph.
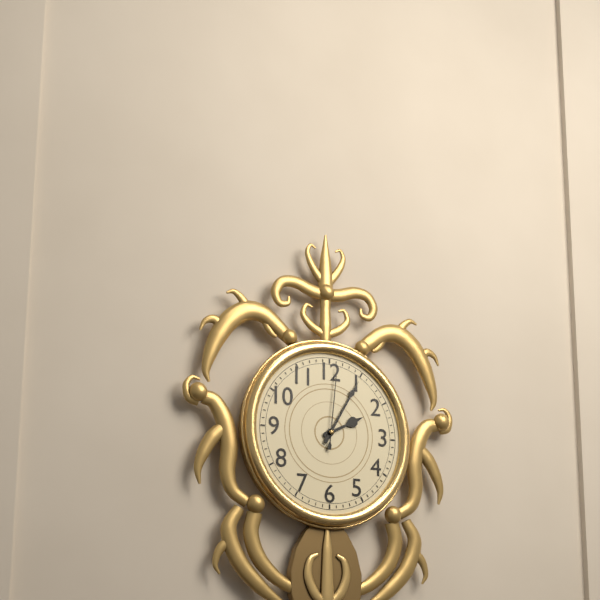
2:05:01
